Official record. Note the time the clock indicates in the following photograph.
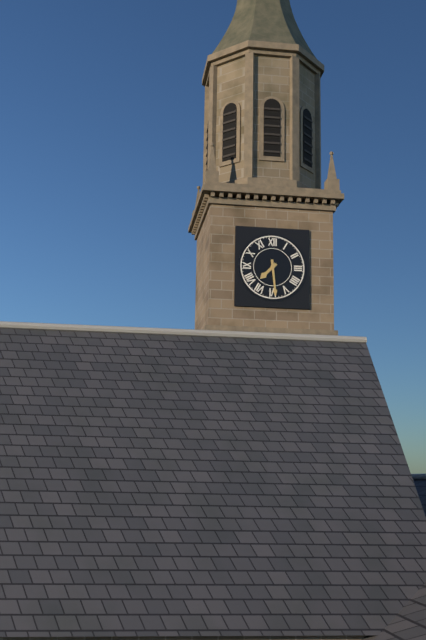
7:29
